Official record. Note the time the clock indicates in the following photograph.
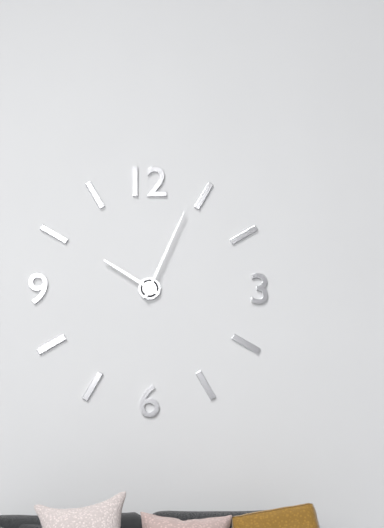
10:04
